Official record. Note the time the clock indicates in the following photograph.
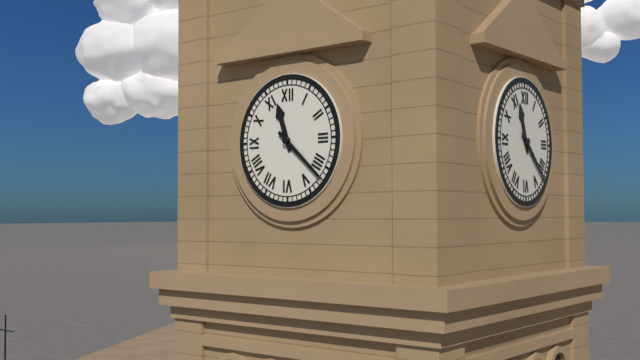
11:22
